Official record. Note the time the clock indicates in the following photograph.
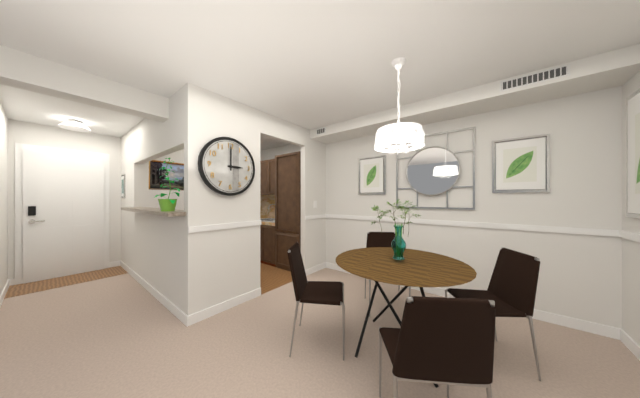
3:00
